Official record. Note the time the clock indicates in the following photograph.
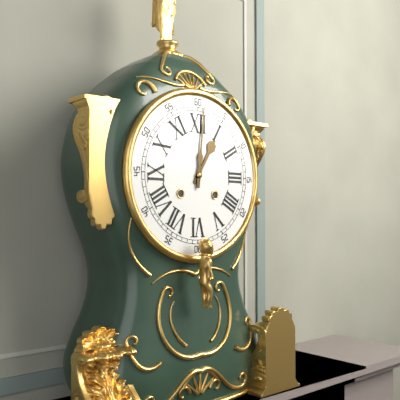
1:01
